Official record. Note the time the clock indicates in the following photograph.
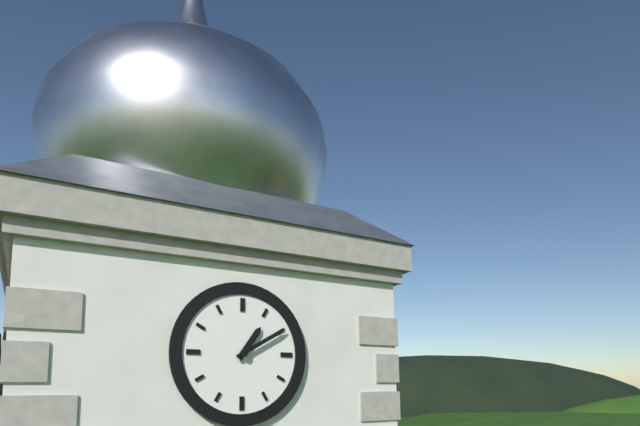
1:10
